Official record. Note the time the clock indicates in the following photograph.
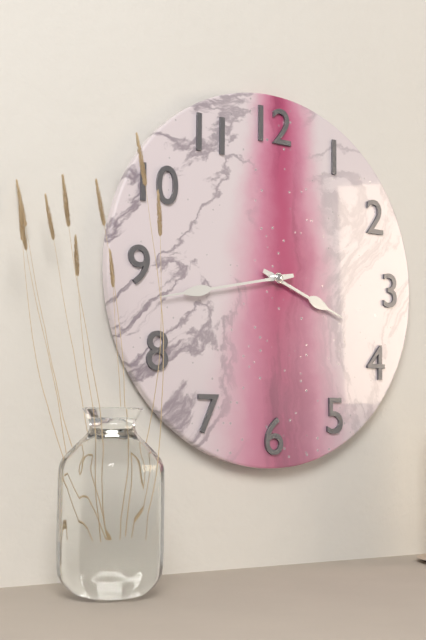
3:43
